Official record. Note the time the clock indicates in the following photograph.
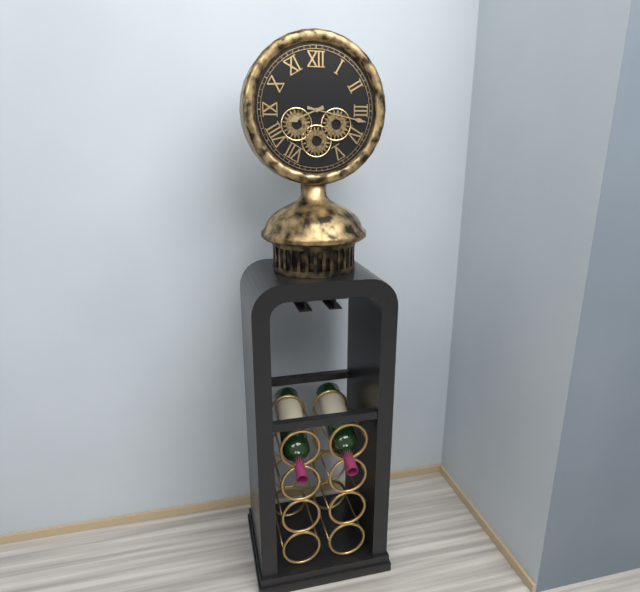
8:17
